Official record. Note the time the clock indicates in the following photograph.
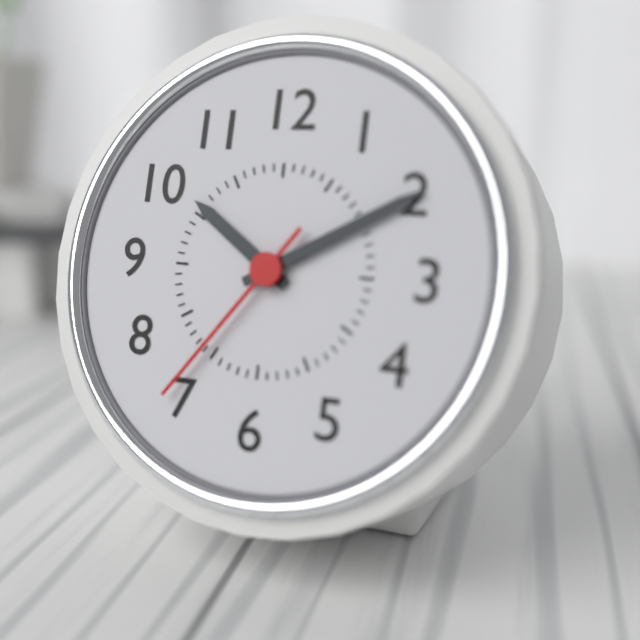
10:10:36
